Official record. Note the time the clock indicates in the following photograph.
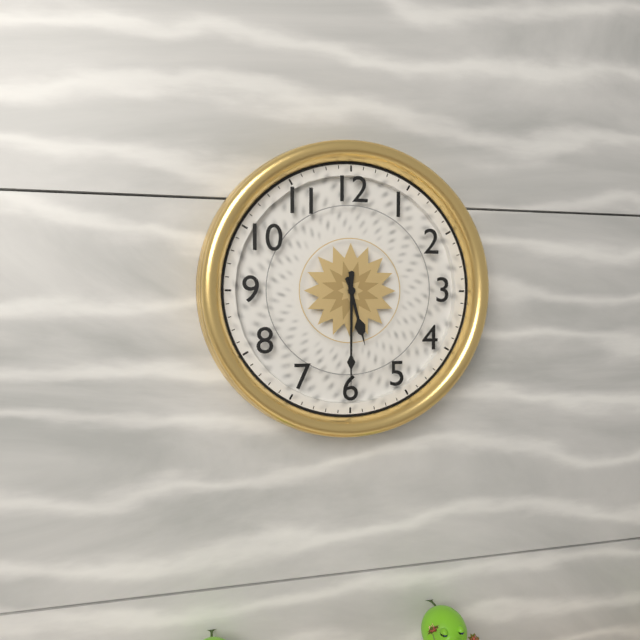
5:30
